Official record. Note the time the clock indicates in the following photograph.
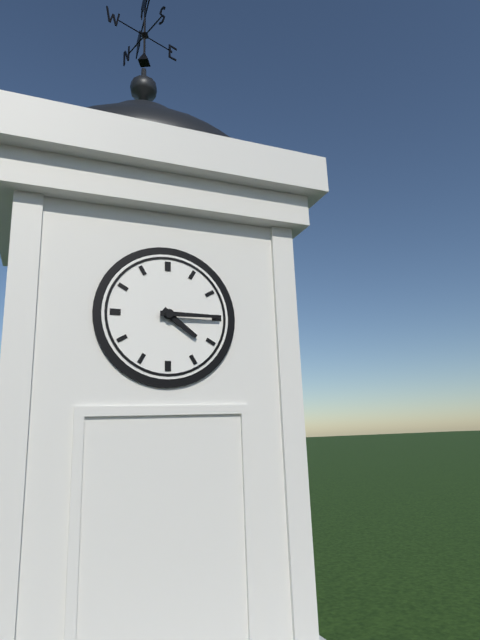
4:15
